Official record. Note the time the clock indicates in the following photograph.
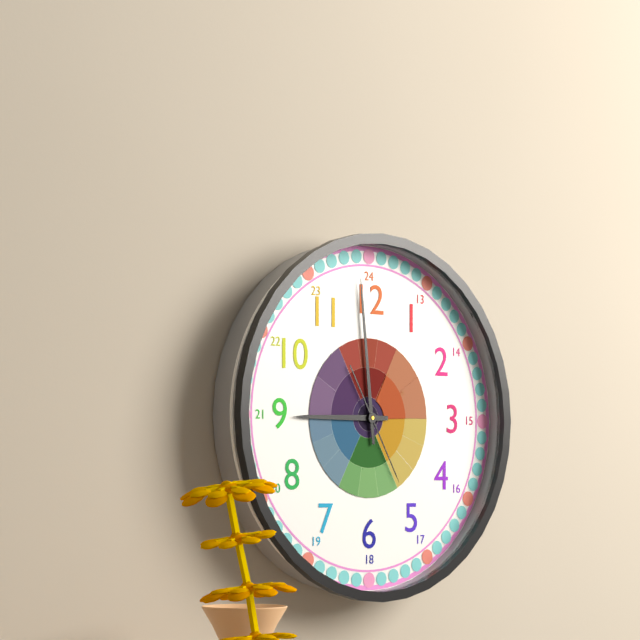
8:59:25
